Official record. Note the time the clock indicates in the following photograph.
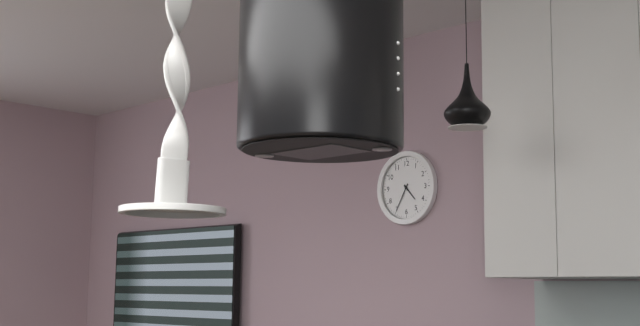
4:35
